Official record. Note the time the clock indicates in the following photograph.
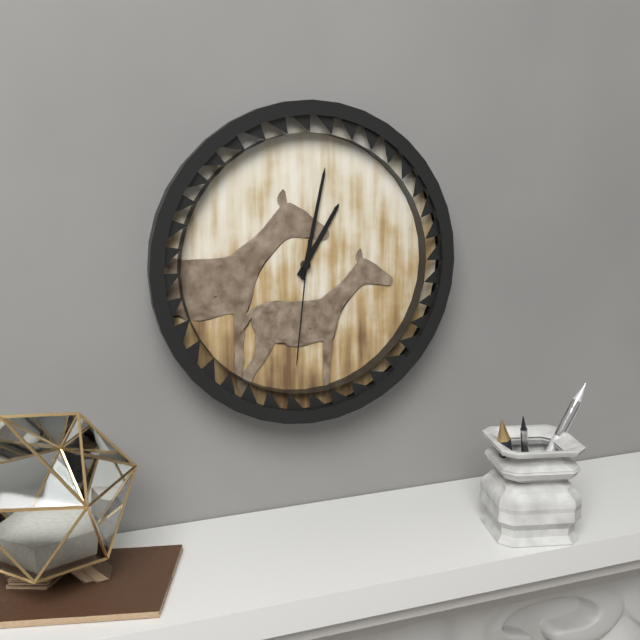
1:02:31
